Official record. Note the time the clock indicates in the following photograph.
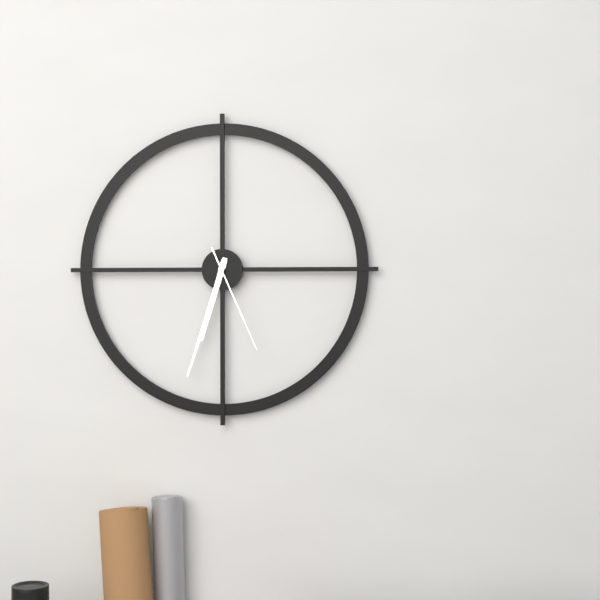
6:33:26
